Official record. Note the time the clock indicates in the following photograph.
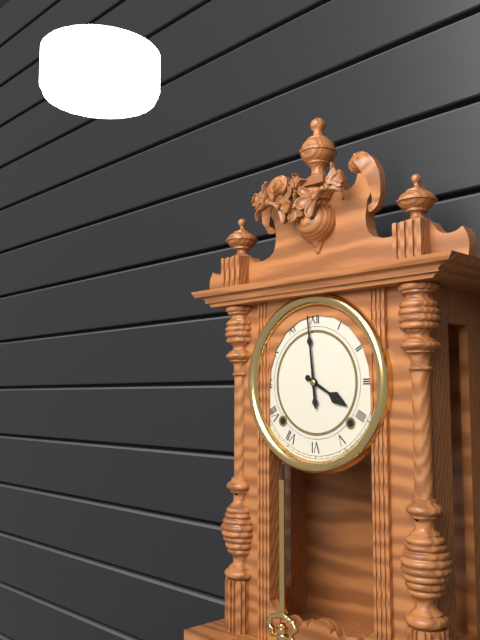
3:59
